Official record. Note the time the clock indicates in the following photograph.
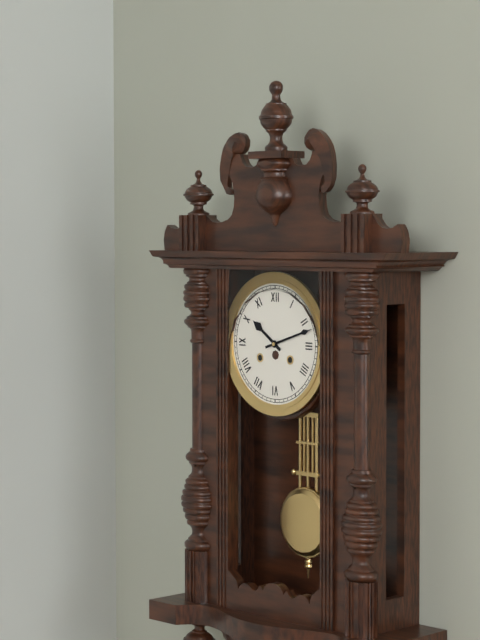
10:12
